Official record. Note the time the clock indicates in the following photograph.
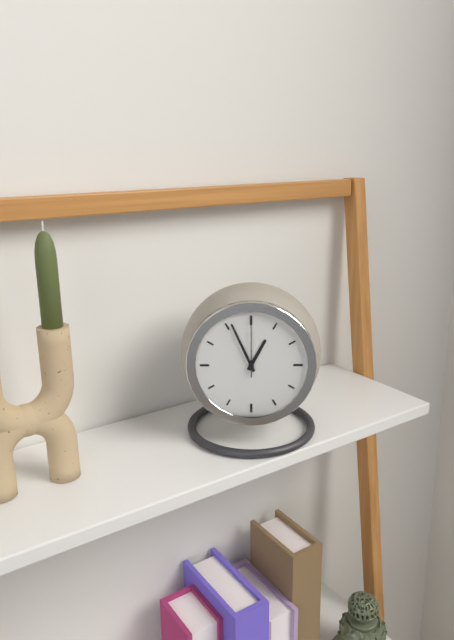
12:56:00
